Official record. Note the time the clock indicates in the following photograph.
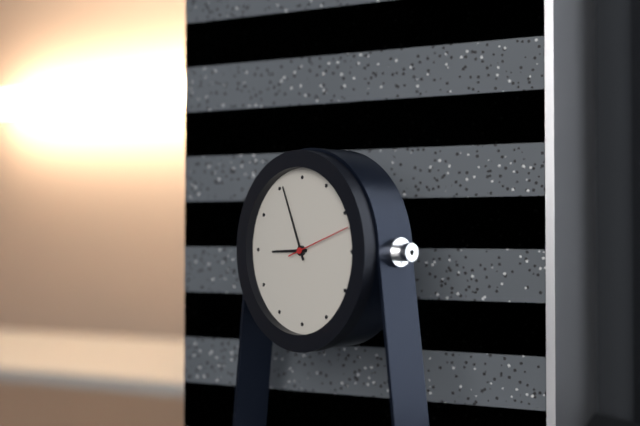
8:56:12
